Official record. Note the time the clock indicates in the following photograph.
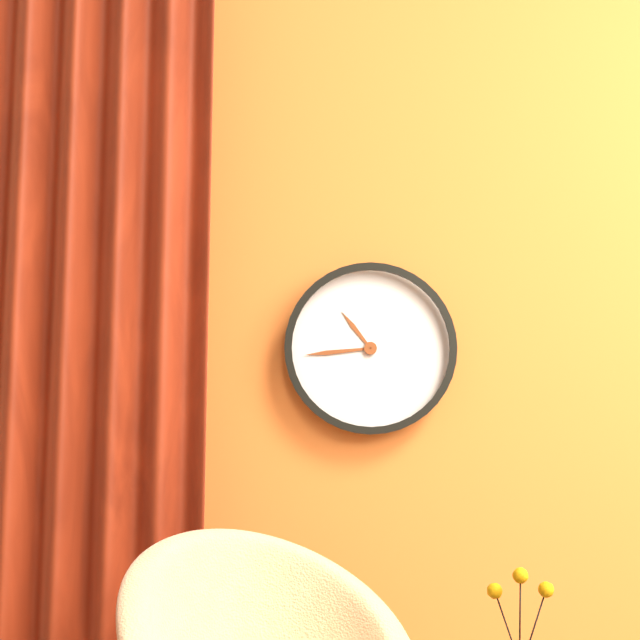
10:44
